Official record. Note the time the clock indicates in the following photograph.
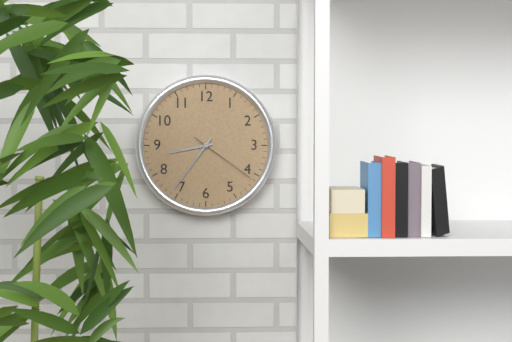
8:36:21
